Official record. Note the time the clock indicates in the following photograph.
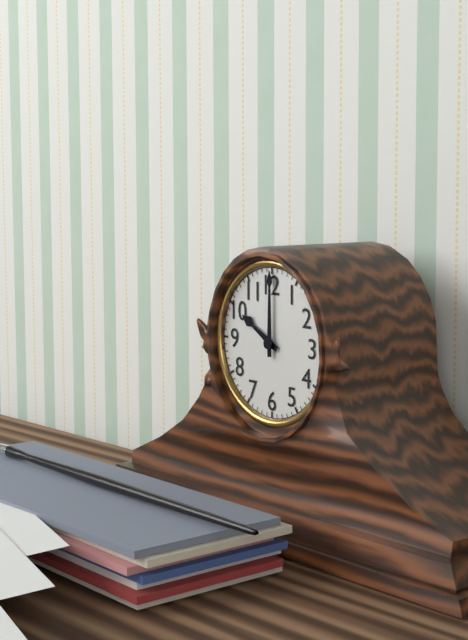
10:00
